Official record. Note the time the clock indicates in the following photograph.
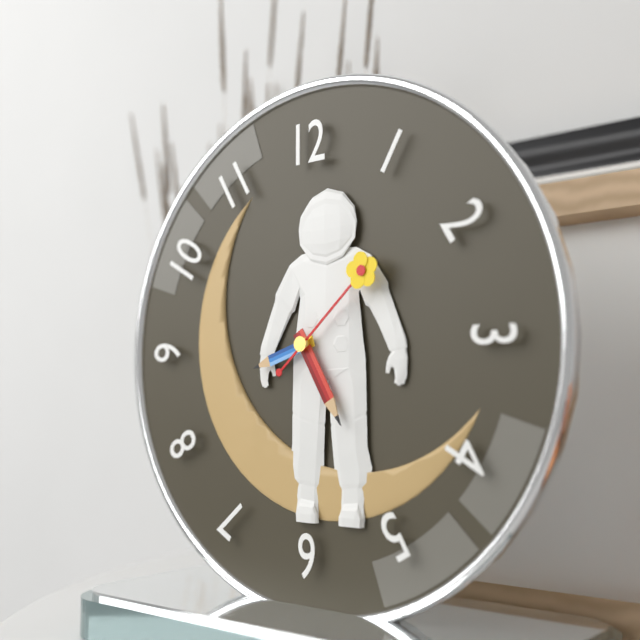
8:25:08
